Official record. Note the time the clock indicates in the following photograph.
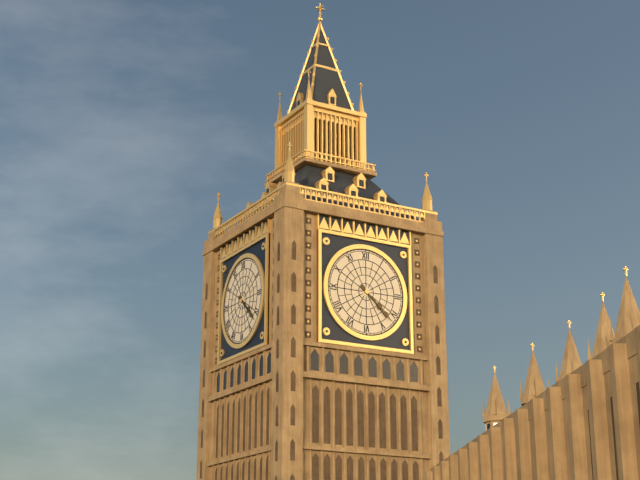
4:22
